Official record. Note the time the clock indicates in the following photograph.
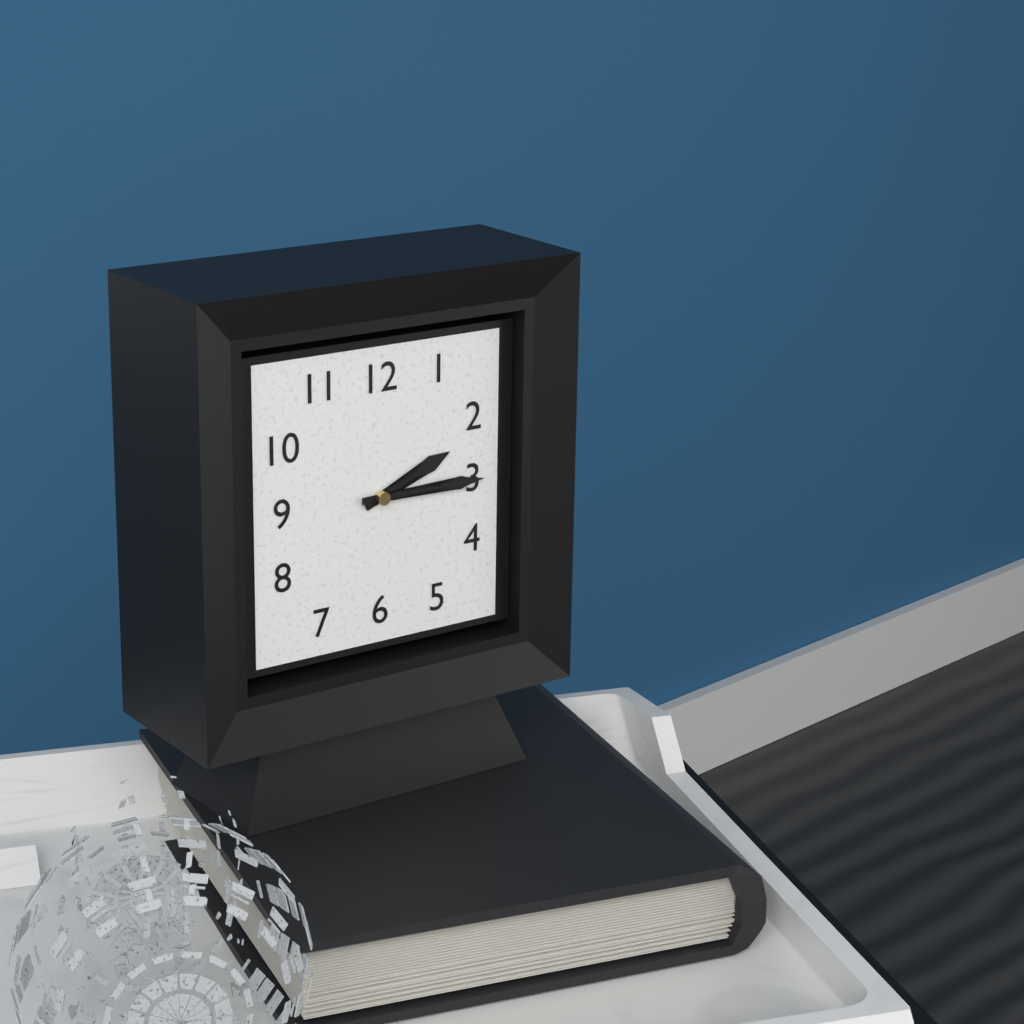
2:15
